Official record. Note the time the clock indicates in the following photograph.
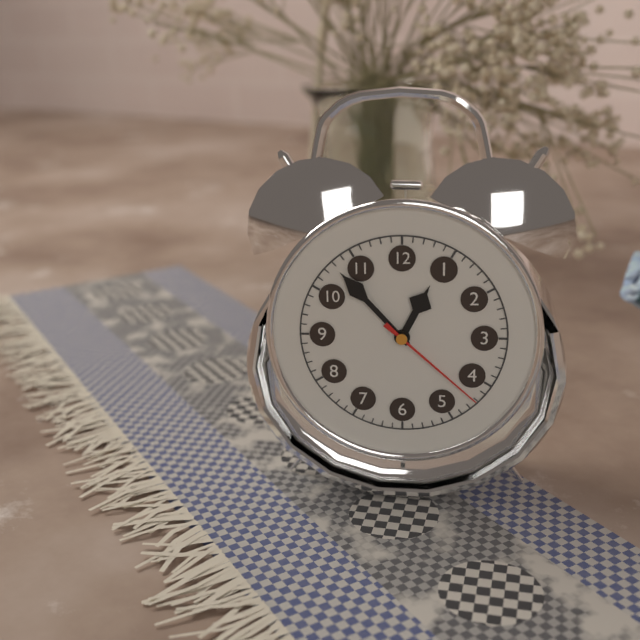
12:53:22
